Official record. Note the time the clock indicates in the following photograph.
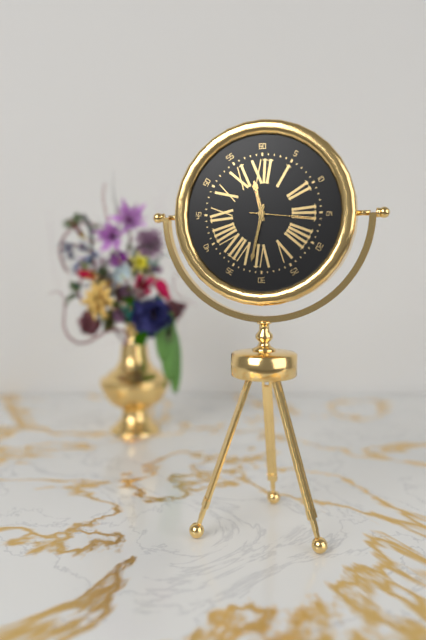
11:32:16
